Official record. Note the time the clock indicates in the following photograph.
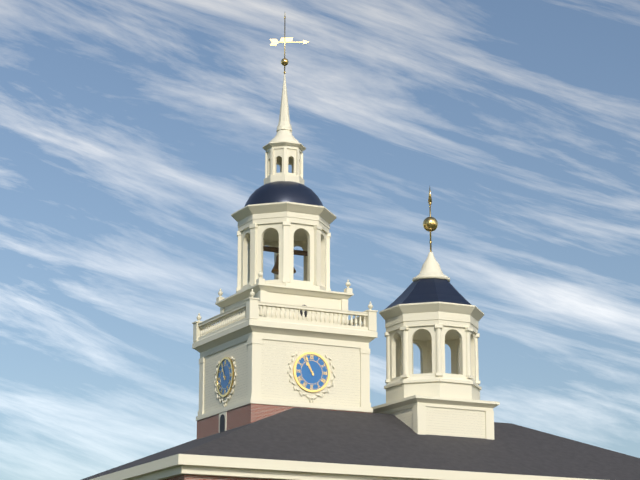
10:56
